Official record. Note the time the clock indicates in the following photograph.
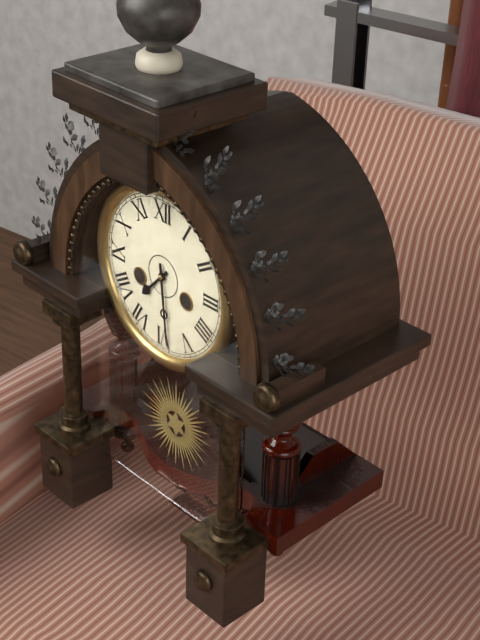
7:29
